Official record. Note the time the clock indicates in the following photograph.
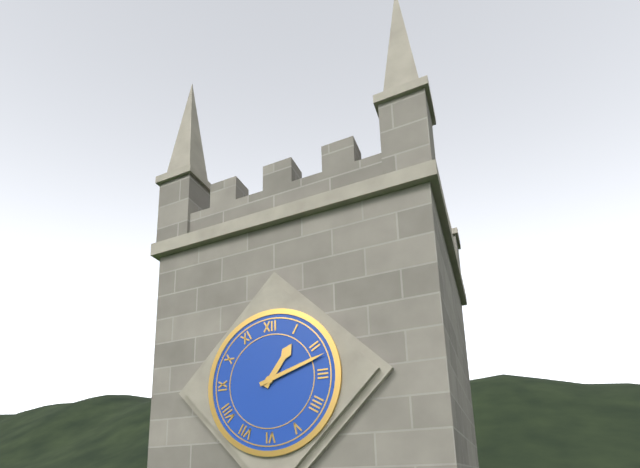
1:12
